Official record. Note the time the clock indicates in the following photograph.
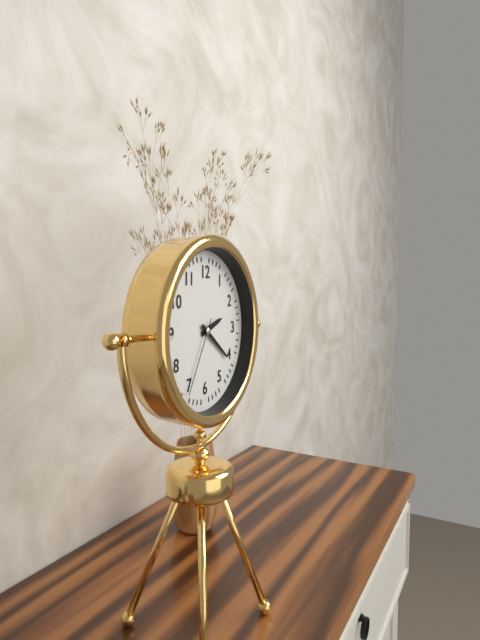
2:21:35
